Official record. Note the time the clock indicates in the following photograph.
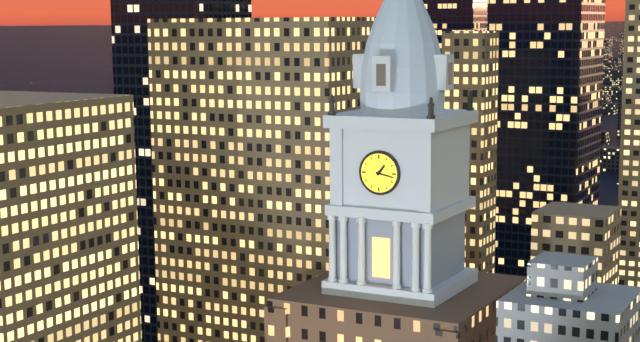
1:17
